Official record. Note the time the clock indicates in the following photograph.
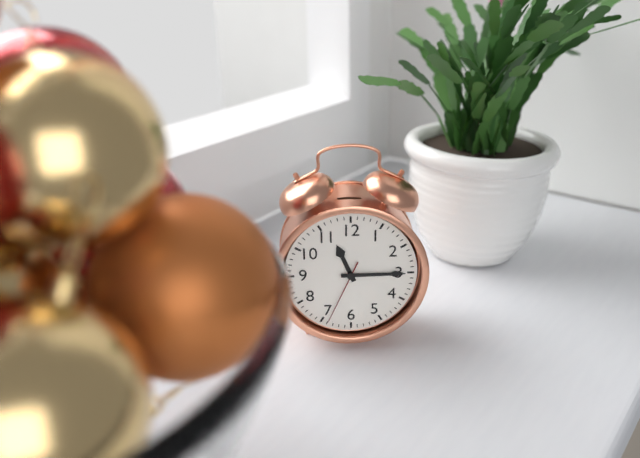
11:15:34
